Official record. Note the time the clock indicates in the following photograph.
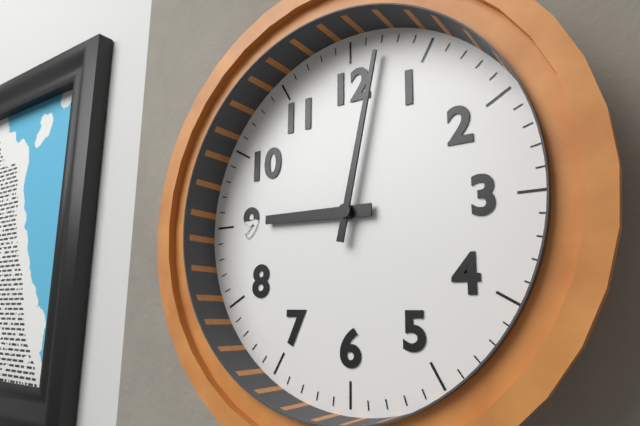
9:02
